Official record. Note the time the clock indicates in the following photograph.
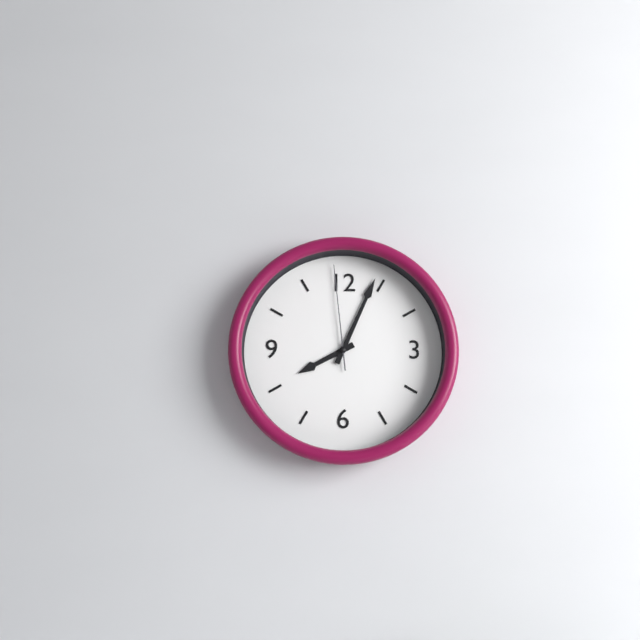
8:04:59
